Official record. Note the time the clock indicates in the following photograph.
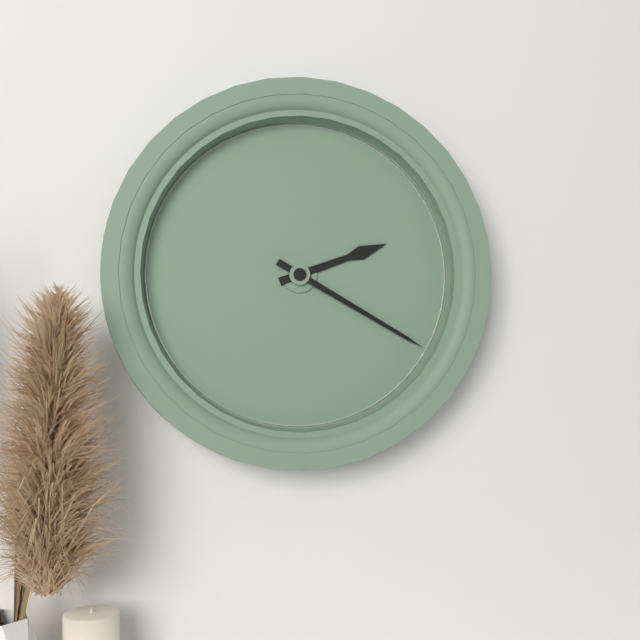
2:20
